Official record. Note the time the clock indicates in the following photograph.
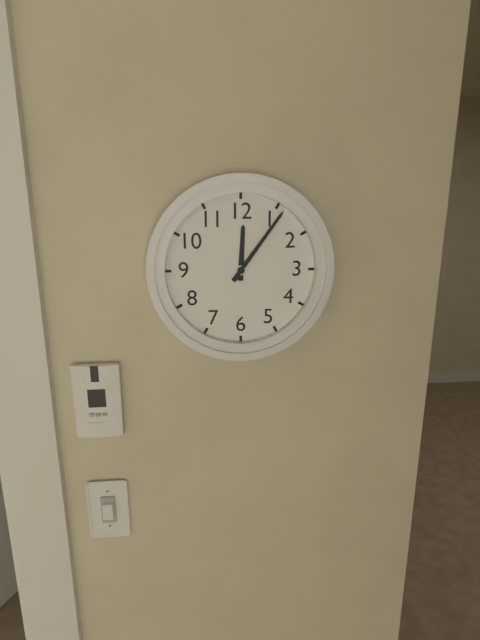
12:06
